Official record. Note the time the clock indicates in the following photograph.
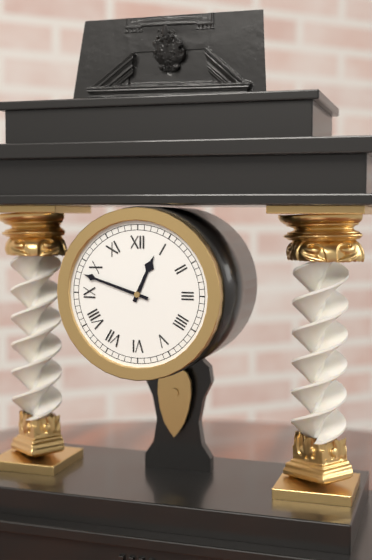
12:48
